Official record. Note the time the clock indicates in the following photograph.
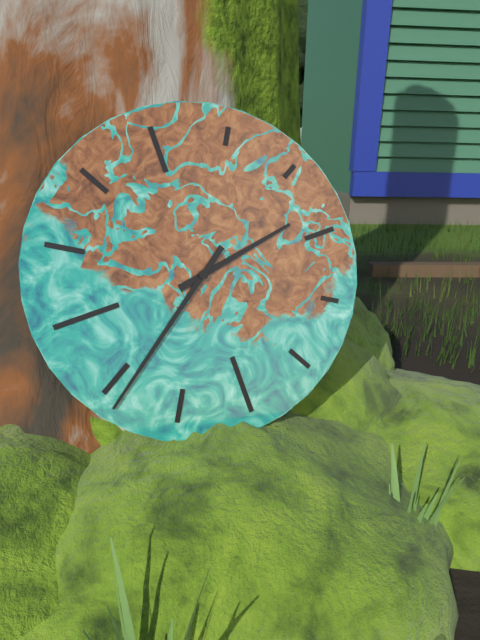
2:39
